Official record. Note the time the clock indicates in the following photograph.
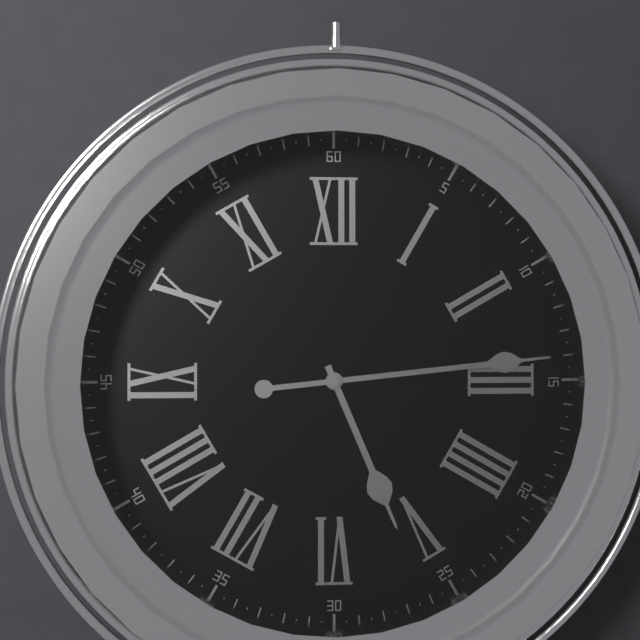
5:14
